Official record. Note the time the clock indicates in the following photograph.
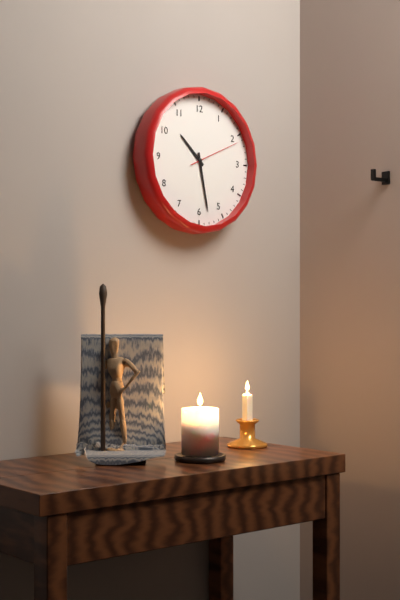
10:28:11
